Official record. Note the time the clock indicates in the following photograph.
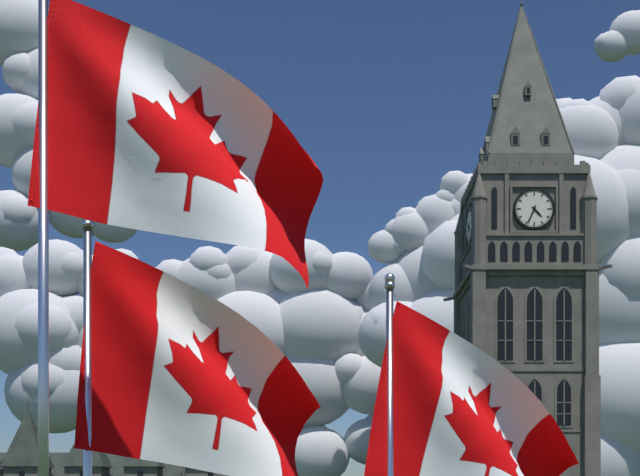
4:34
